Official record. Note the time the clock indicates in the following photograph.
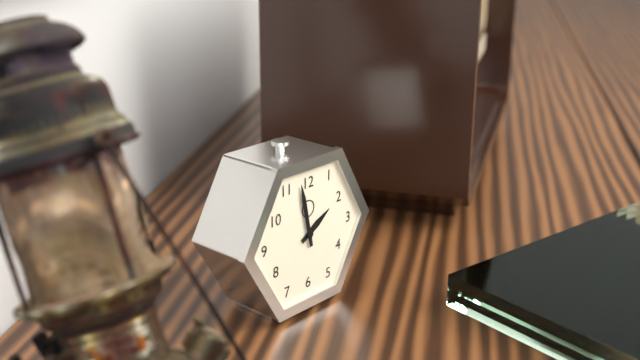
1:58
